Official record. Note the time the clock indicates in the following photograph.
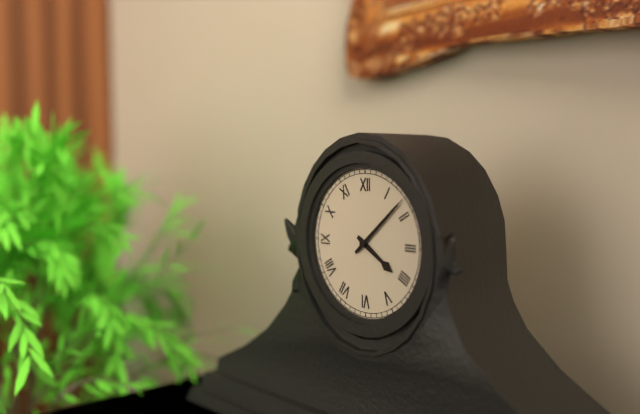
4:08
